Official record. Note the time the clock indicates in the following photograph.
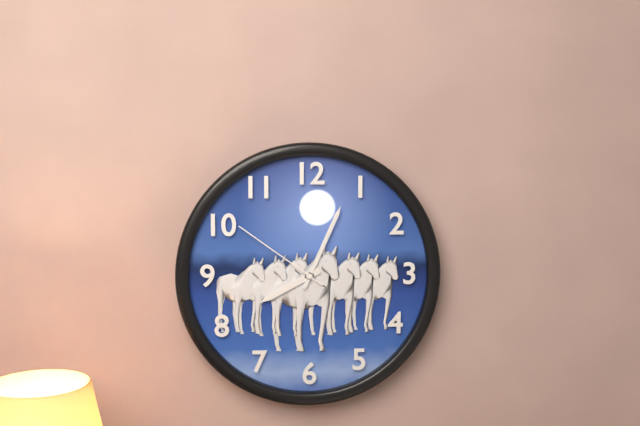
8:04:51
